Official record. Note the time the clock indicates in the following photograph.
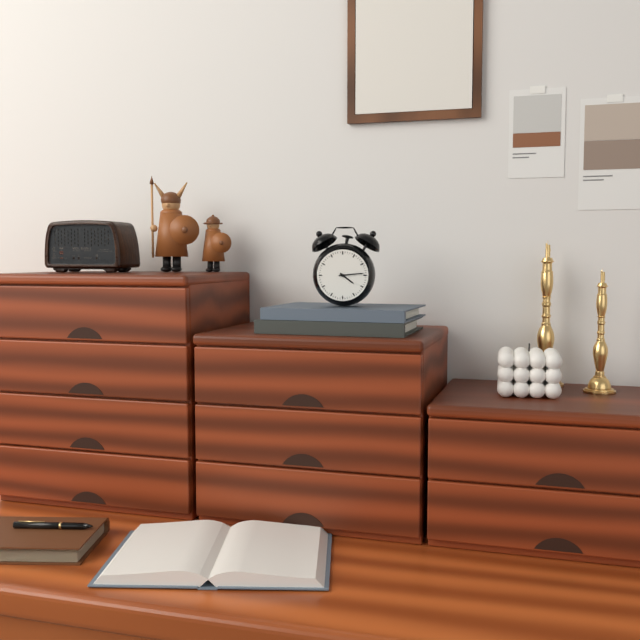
4:14
